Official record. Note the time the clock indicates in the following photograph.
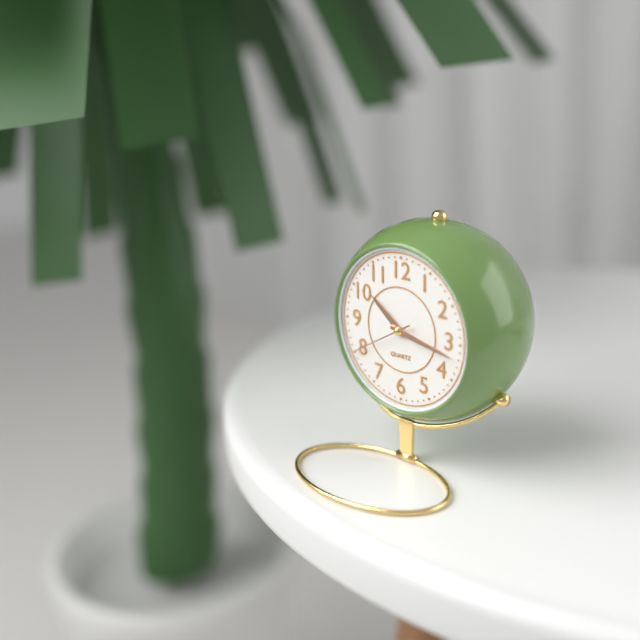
10:17:40
